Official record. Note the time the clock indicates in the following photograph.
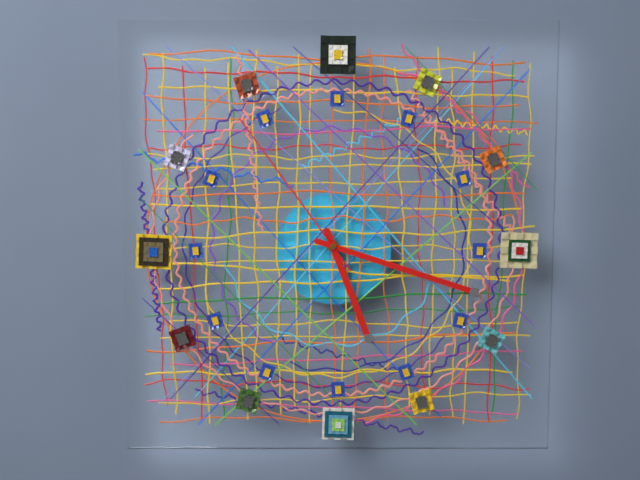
5:18:54
